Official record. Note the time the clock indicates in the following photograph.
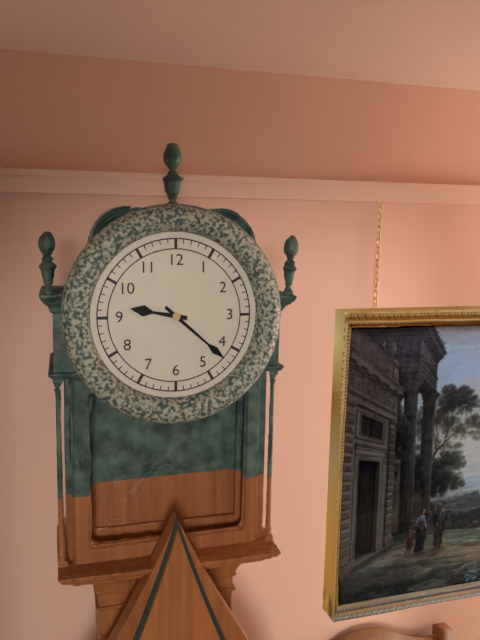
9:22
